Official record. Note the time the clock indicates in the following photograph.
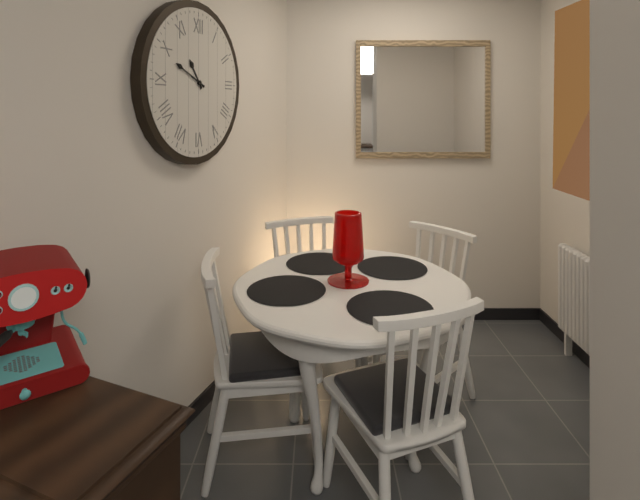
10:49
